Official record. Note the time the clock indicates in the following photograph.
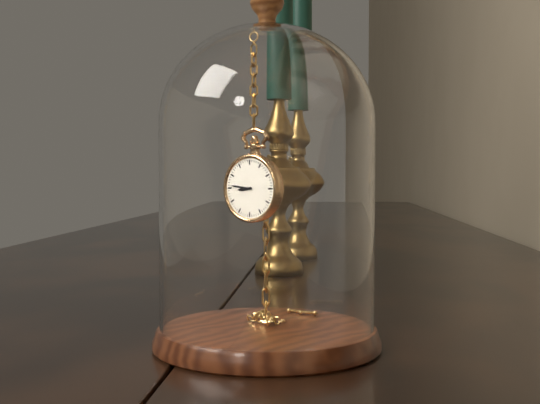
8:46
